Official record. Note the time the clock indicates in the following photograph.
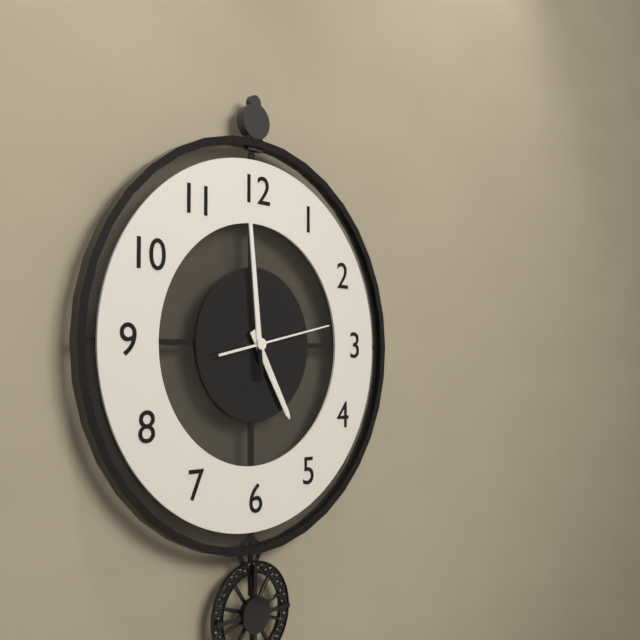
4:59:13
